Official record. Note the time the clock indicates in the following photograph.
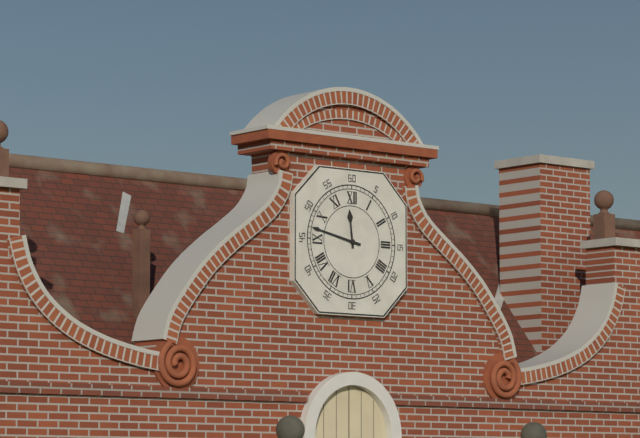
11:47
